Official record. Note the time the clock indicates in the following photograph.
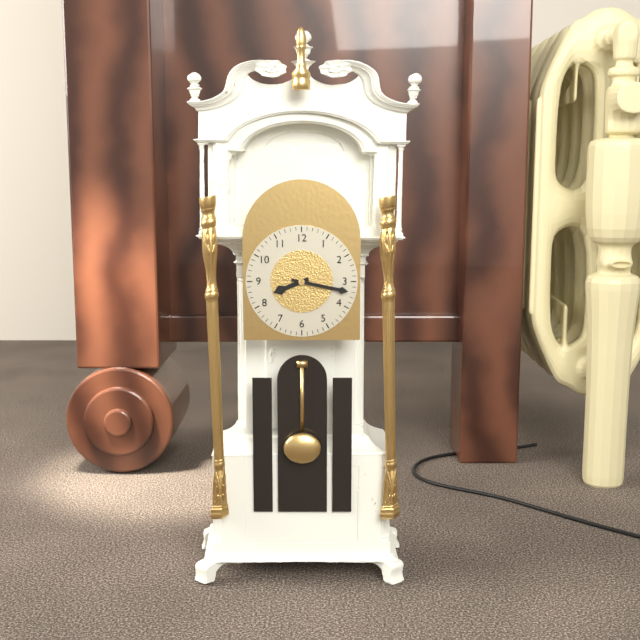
8:17
